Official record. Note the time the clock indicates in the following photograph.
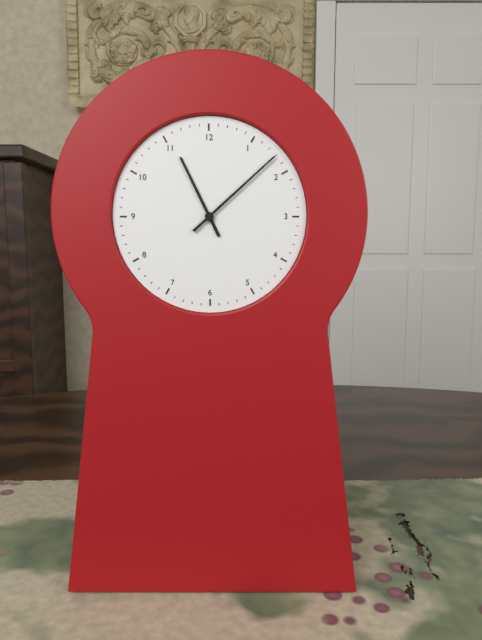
11:08
